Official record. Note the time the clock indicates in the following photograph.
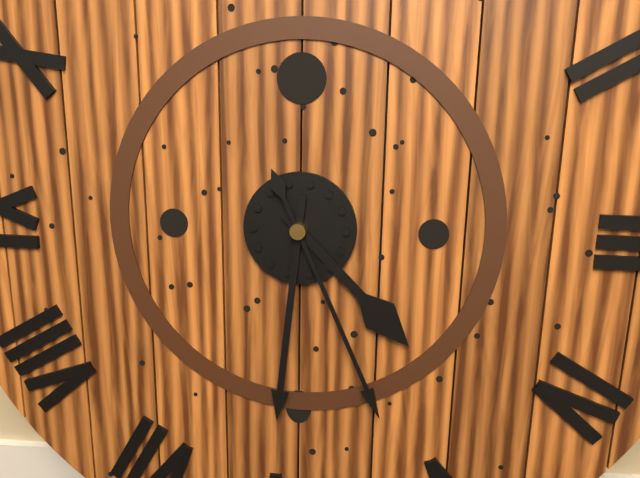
4:31:26
